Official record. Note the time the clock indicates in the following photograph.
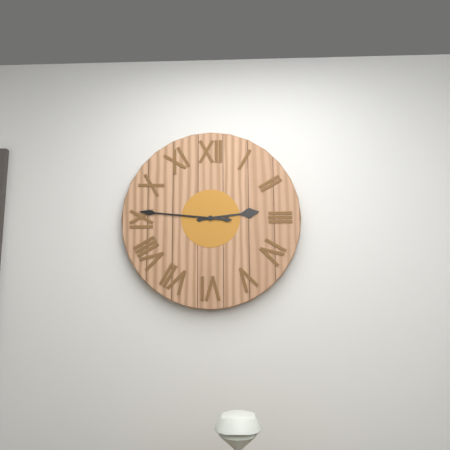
2:46
